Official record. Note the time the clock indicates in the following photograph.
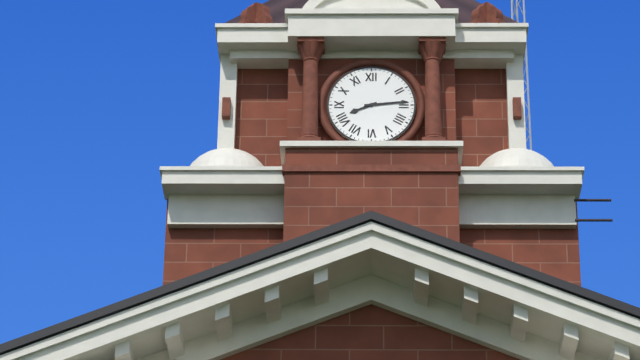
8:14
